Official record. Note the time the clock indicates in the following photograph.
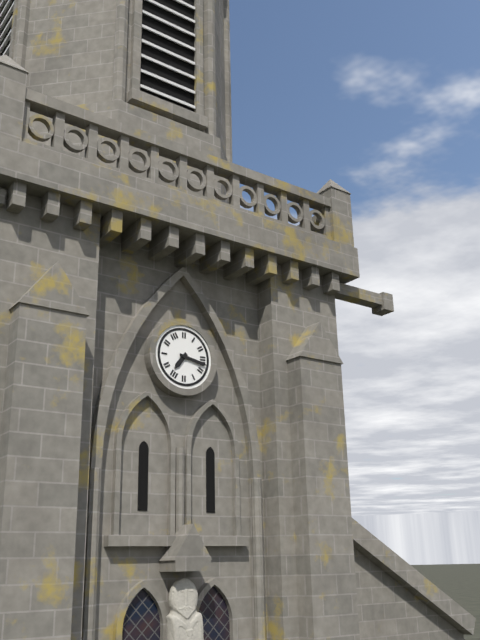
7:17
